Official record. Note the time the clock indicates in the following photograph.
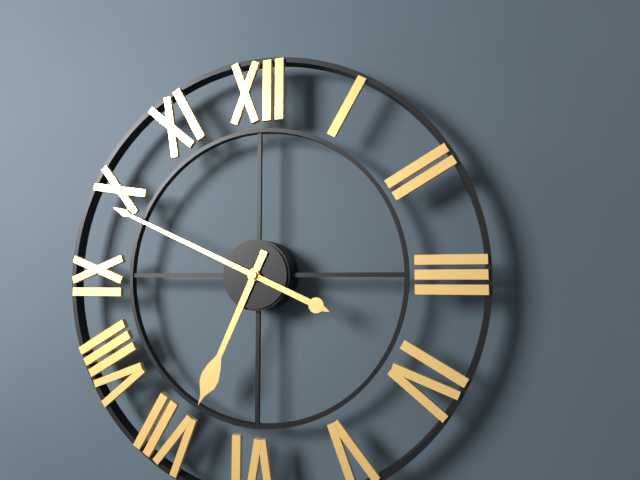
6:49
